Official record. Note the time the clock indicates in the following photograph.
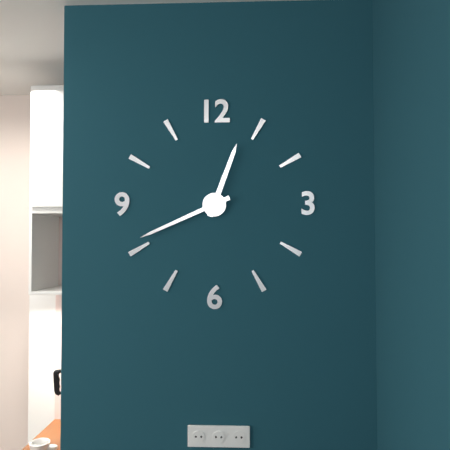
12:41
